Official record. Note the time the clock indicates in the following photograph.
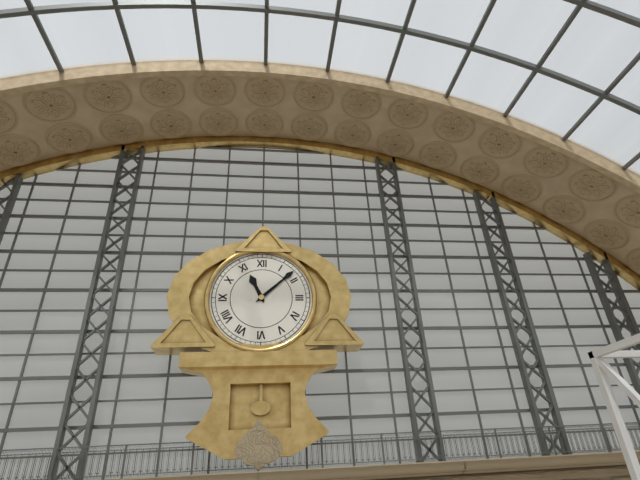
11:08
